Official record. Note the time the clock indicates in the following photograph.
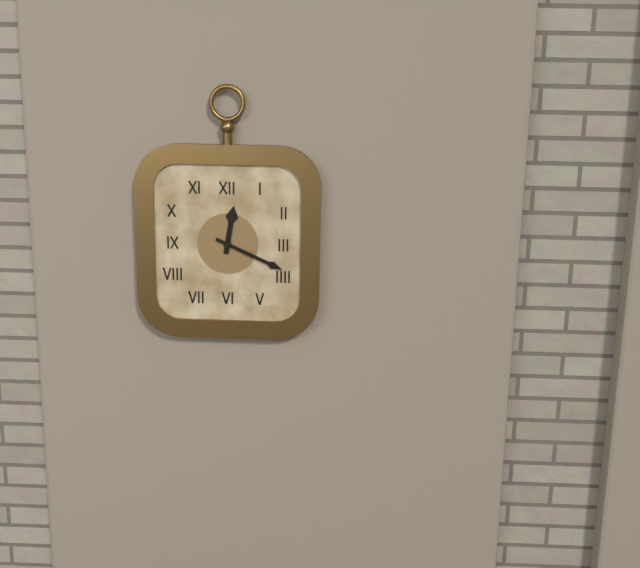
12:19
